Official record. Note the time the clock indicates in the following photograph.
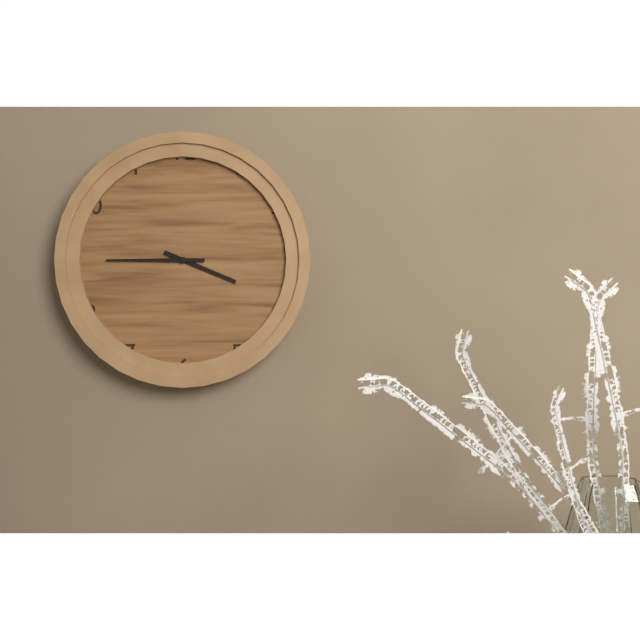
3:45
